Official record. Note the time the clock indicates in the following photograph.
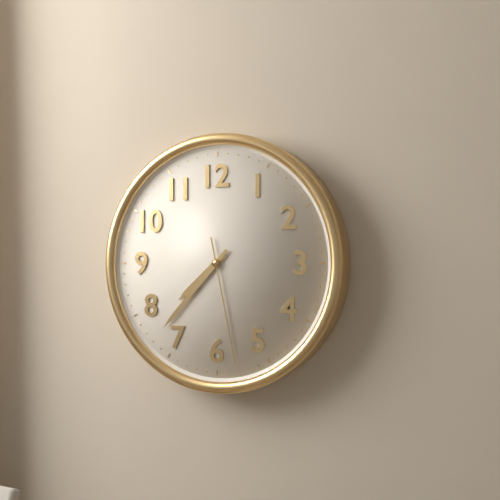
7:37:28
